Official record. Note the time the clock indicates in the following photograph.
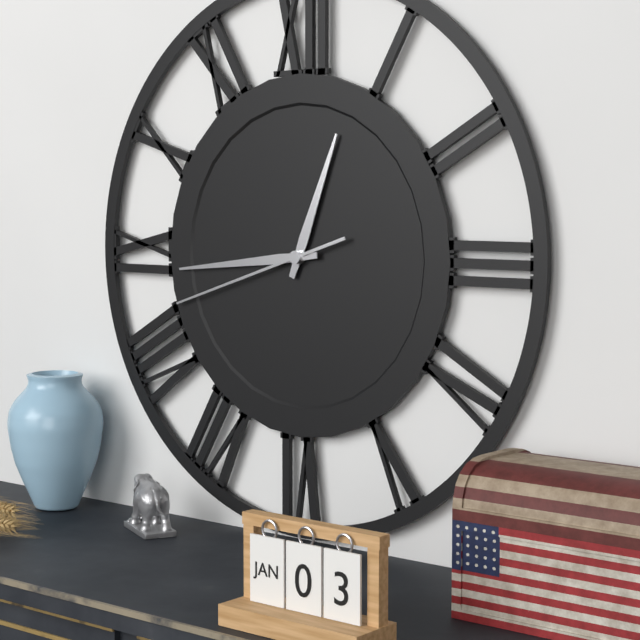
12:44:42
